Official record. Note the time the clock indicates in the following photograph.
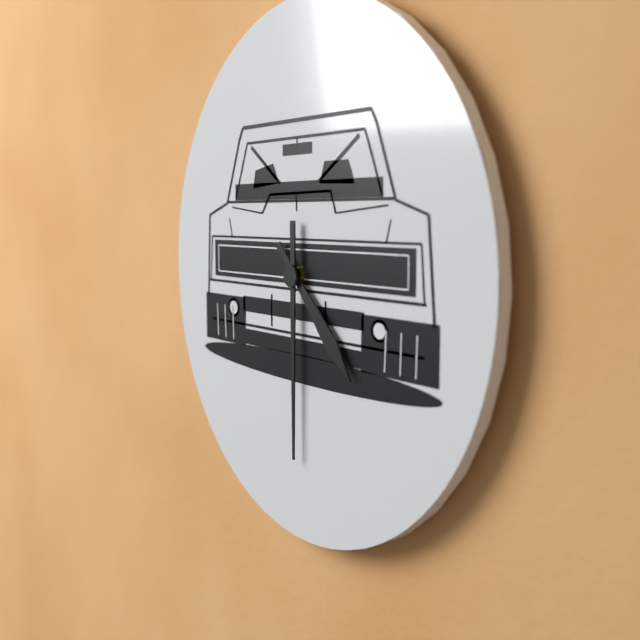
4:30
